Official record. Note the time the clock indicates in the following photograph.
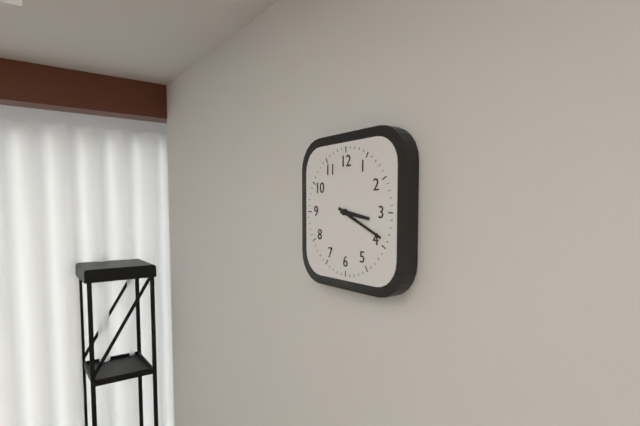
3:19
